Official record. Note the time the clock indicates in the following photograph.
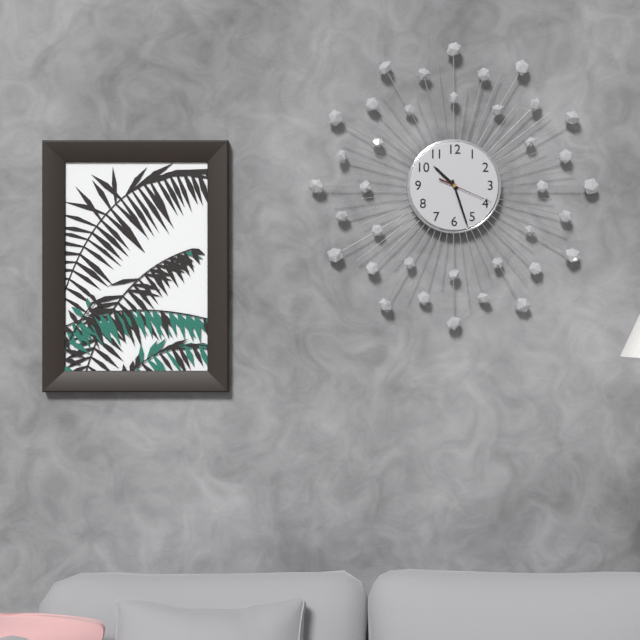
10:27:19
